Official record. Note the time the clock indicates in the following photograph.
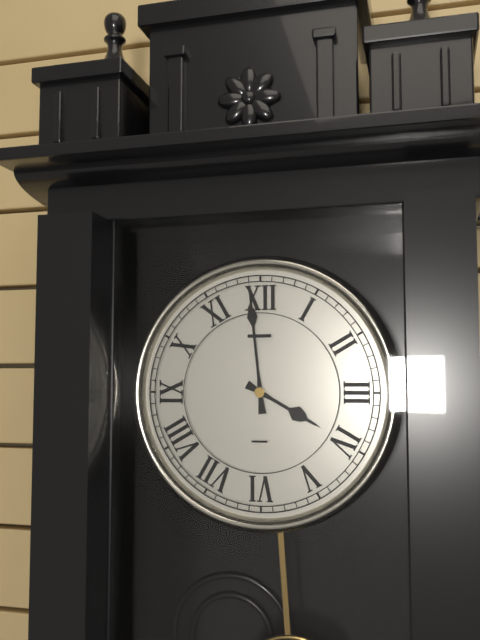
3:59
